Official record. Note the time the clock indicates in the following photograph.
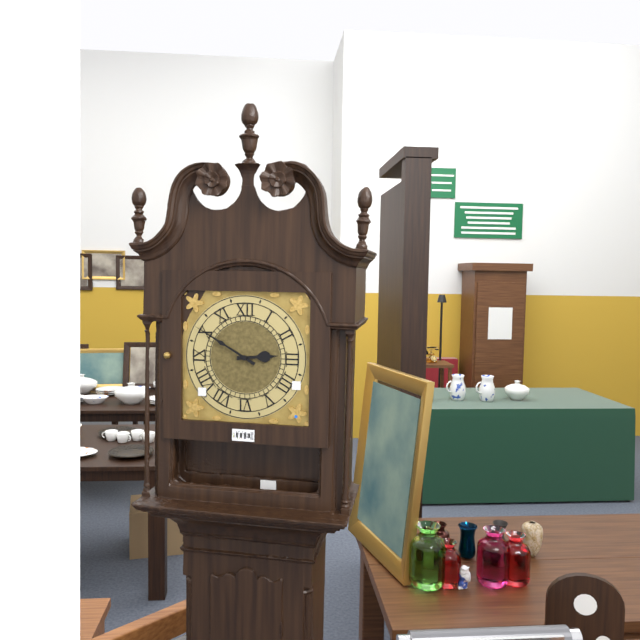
2:50
